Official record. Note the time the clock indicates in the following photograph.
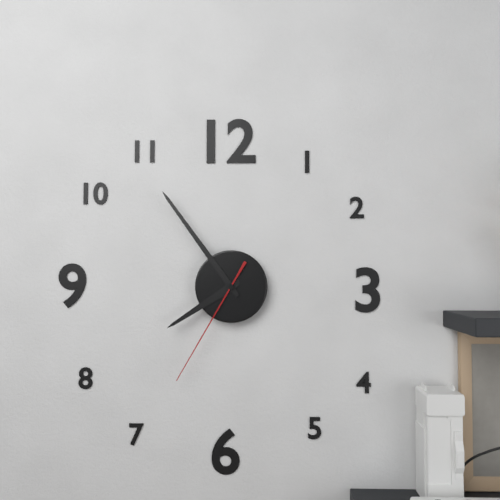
7:54:35
